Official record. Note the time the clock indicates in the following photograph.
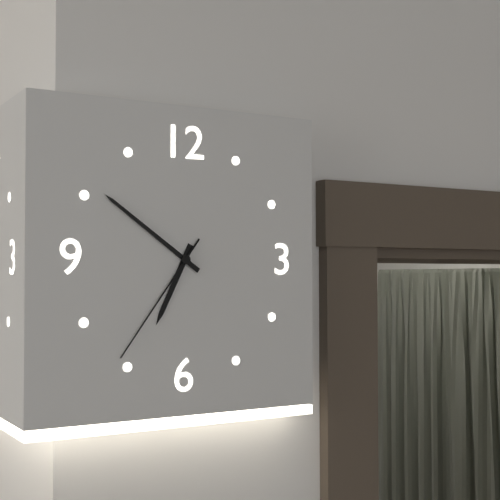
6:51:36
